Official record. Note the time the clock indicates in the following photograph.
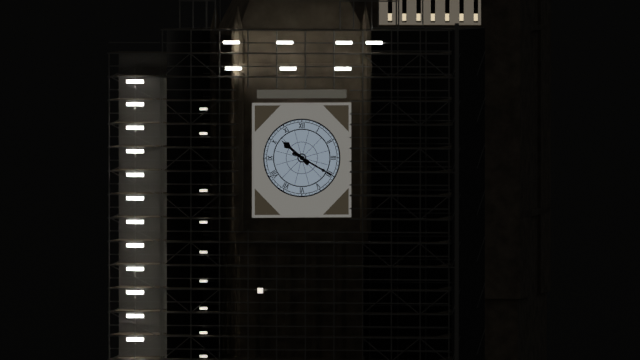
10:20
